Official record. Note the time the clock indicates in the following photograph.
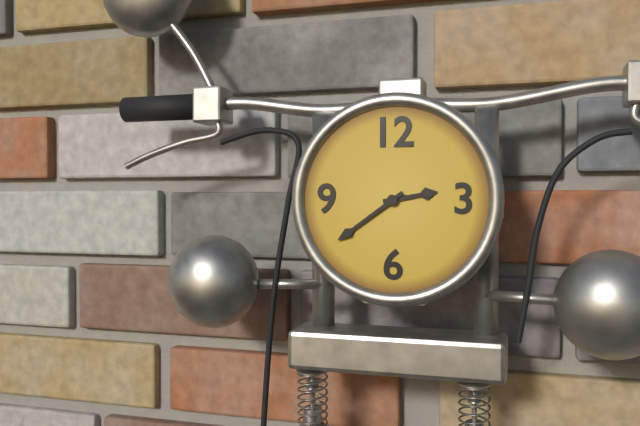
2:39
